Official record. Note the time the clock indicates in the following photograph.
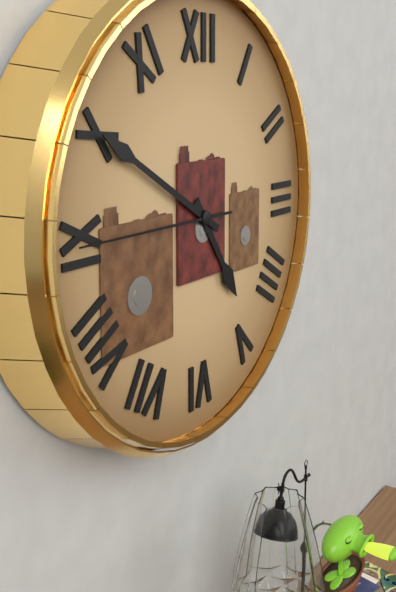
4:50:45
